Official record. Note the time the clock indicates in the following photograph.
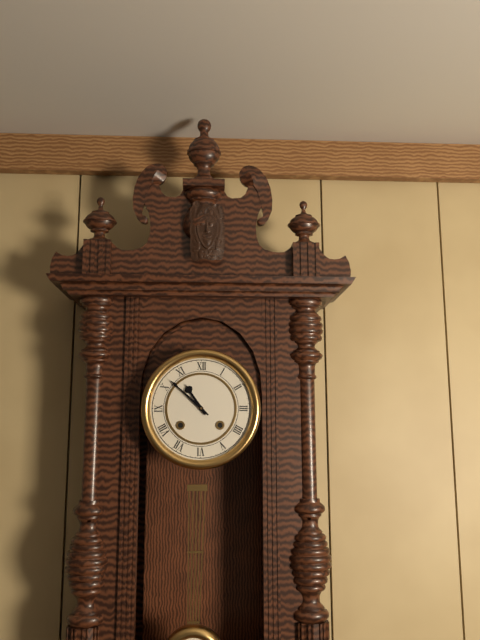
10:52
